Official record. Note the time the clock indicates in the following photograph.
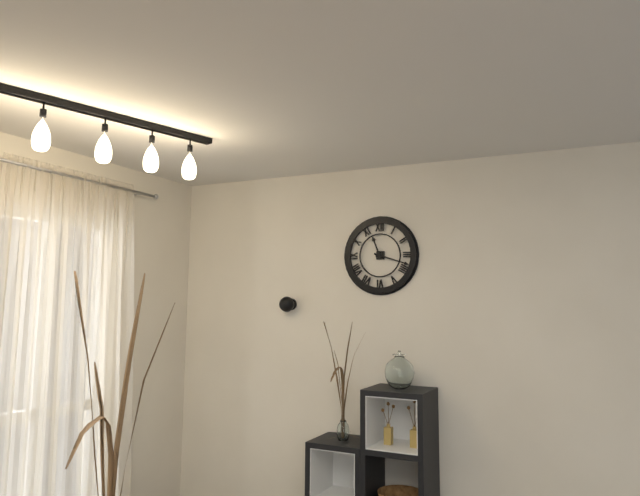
11:18
